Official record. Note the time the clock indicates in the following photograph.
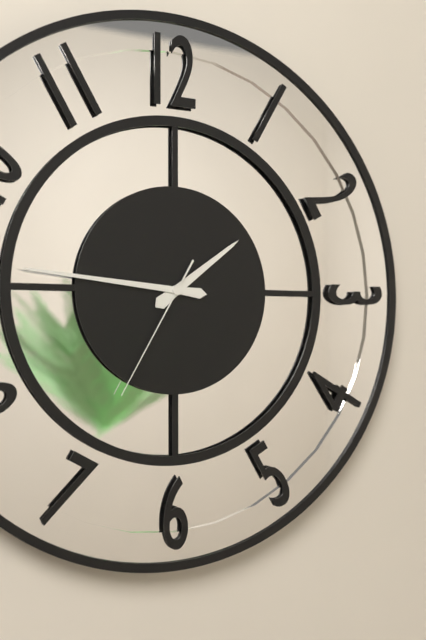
1:46:35
